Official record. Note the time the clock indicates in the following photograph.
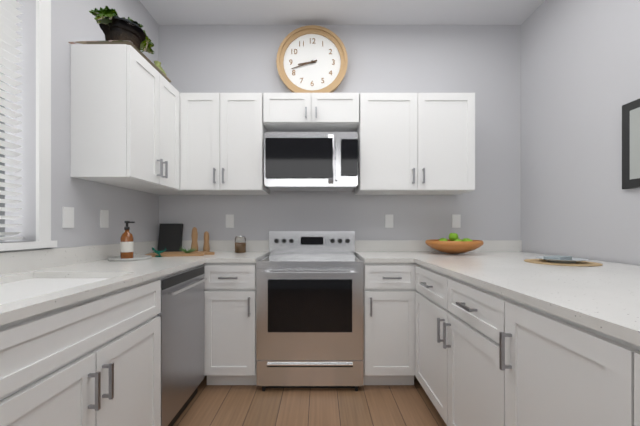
8:42
